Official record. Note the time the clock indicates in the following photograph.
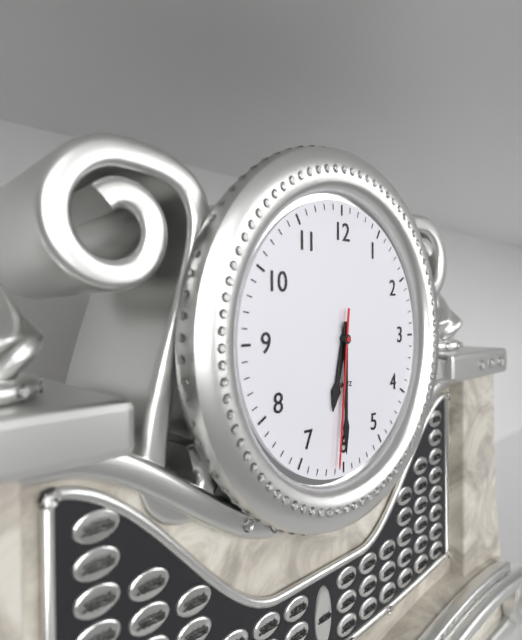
6:30:31
